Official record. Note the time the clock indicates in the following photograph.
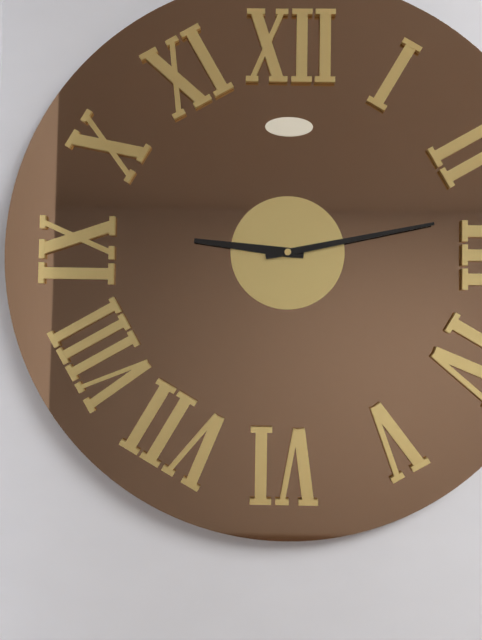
9:13
